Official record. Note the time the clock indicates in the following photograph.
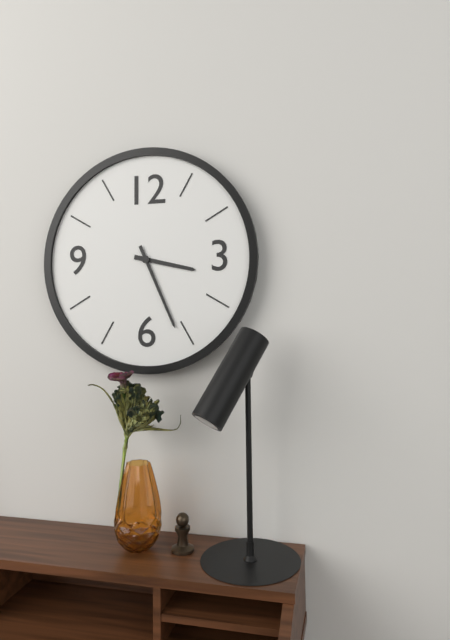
3:26
